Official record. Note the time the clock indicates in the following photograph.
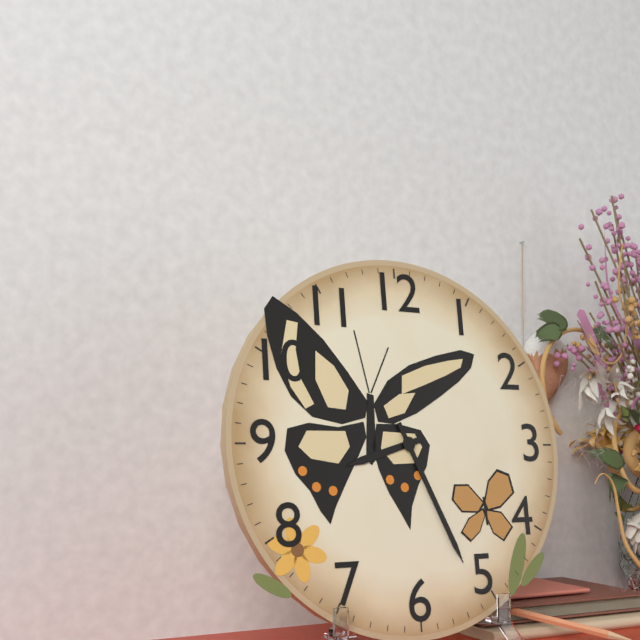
8:26
